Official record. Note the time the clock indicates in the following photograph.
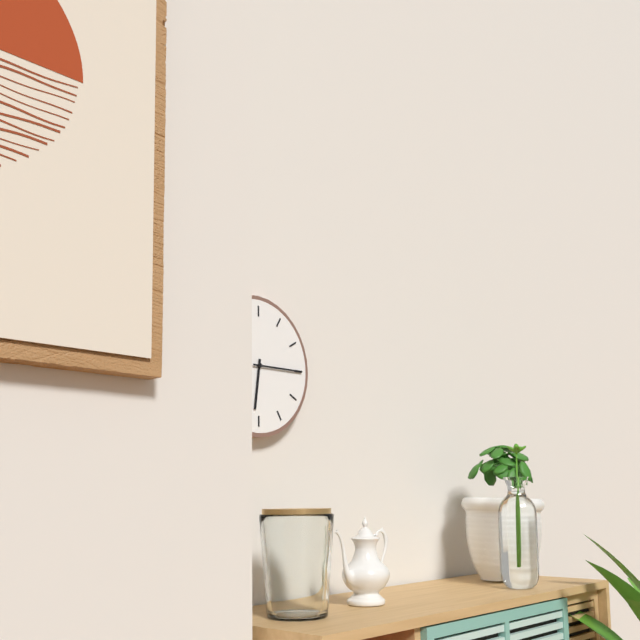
6:15
